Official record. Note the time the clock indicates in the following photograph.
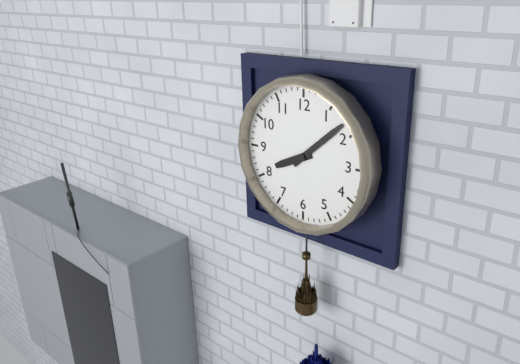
8:08
